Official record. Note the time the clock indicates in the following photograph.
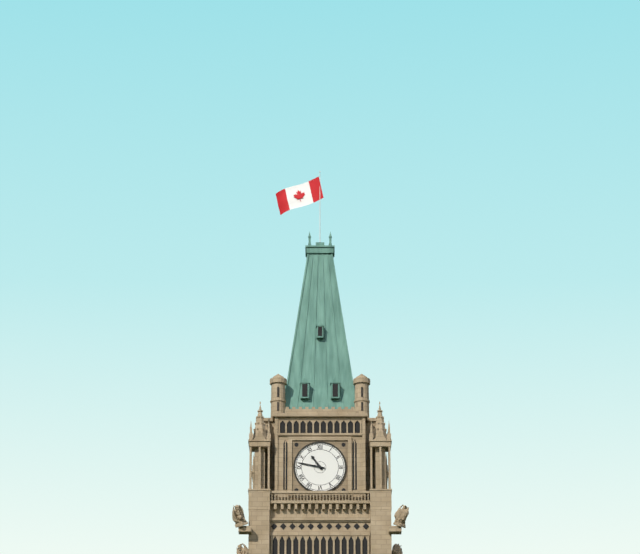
10:47
